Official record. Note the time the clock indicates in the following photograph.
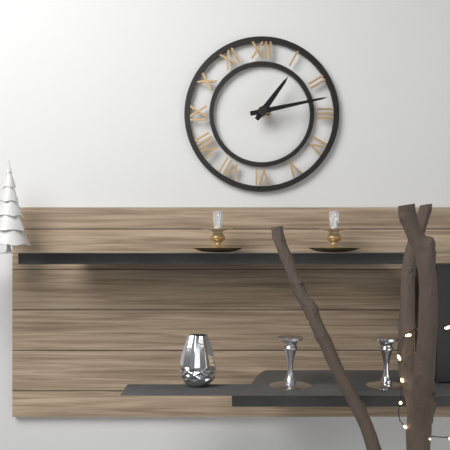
1:13
